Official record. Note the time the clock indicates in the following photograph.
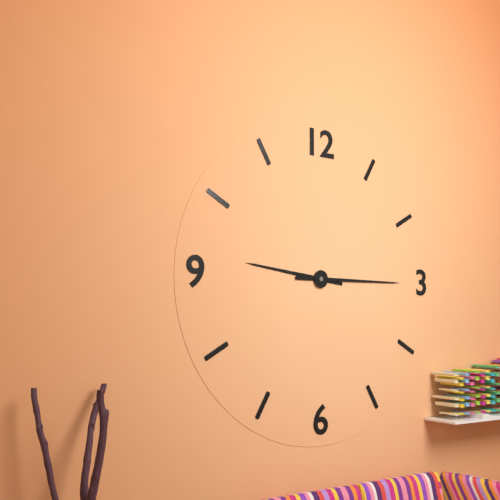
9:15
